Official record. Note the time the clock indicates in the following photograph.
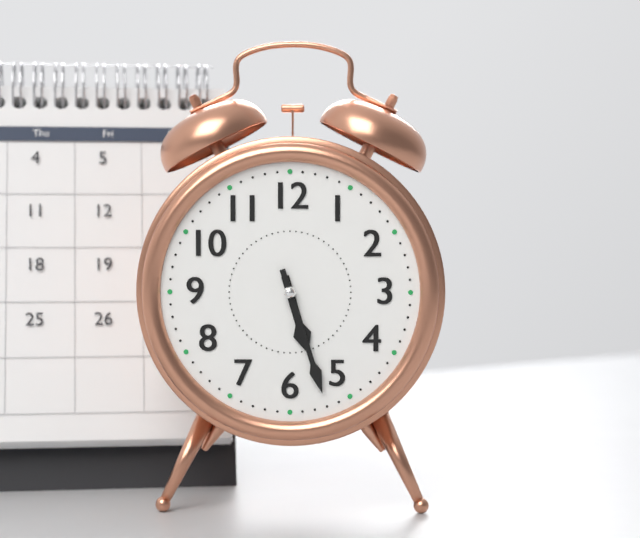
5:27
